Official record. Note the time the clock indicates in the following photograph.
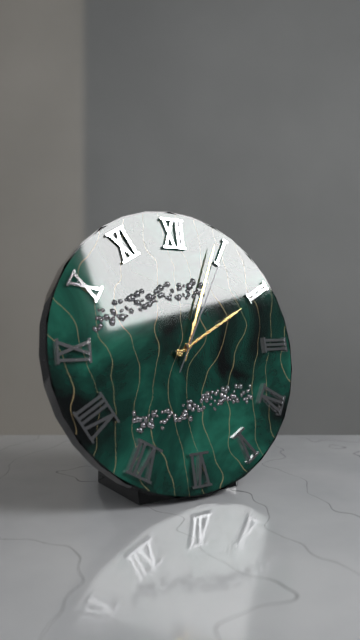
2:04:05
